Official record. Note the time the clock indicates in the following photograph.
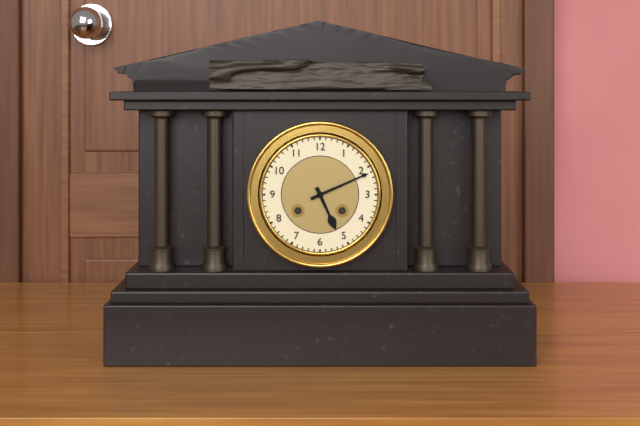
5:11
